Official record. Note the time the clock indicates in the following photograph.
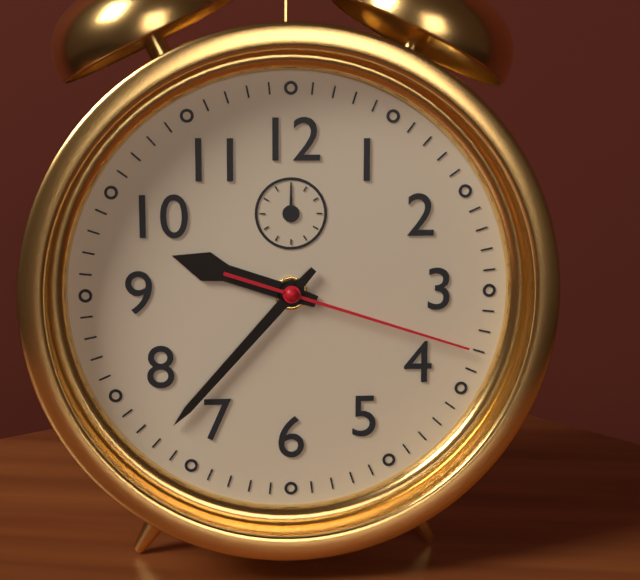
9:37:18
